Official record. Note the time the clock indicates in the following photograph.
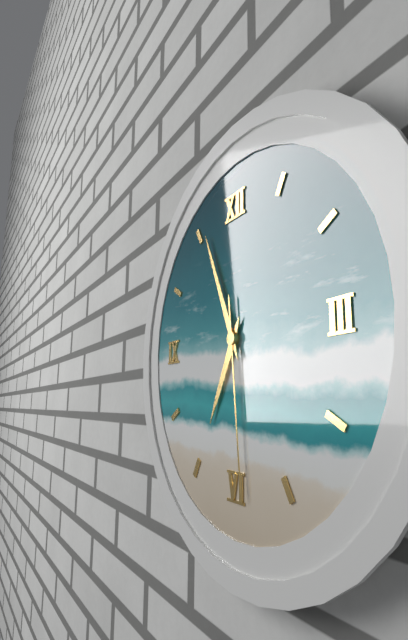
6:56:29
